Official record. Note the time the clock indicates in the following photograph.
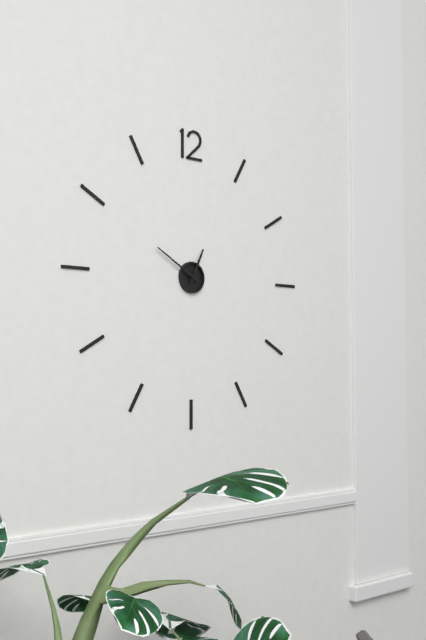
12:50
